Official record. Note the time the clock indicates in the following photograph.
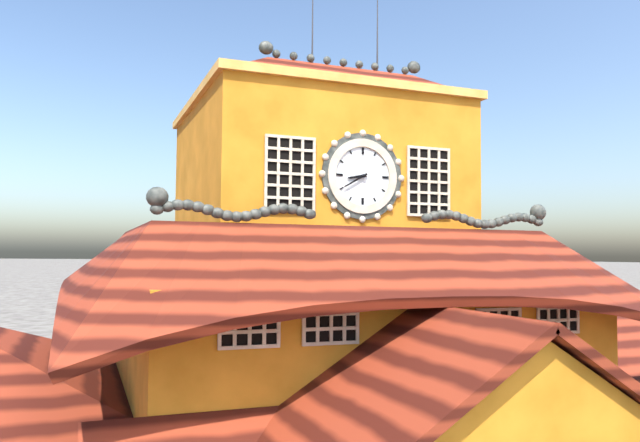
8:40
